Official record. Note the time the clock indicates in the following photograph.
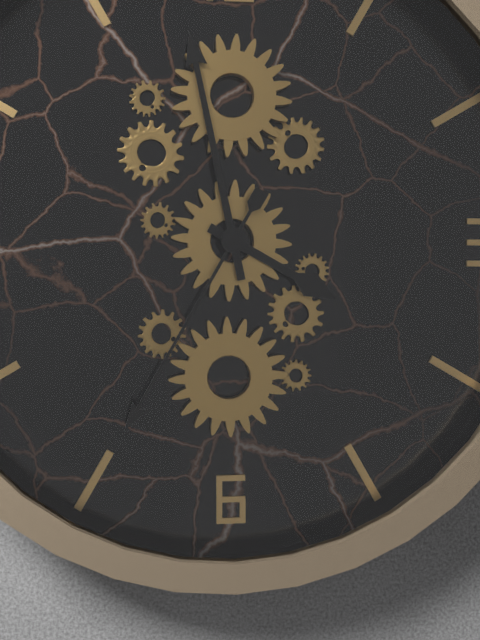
3:58:35
